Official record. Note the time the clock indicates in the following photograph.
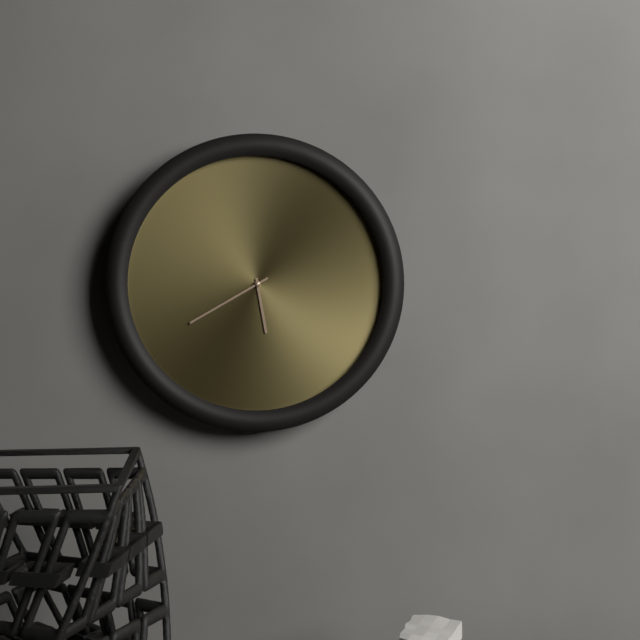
5:40
